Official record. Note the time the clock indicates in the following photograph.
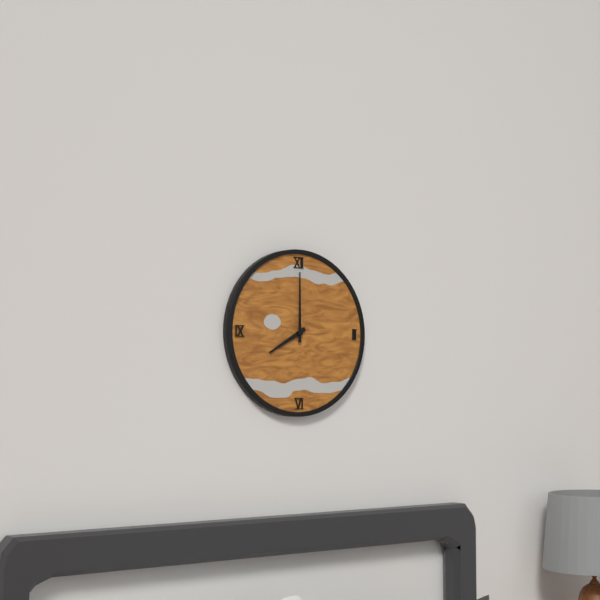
8:00
